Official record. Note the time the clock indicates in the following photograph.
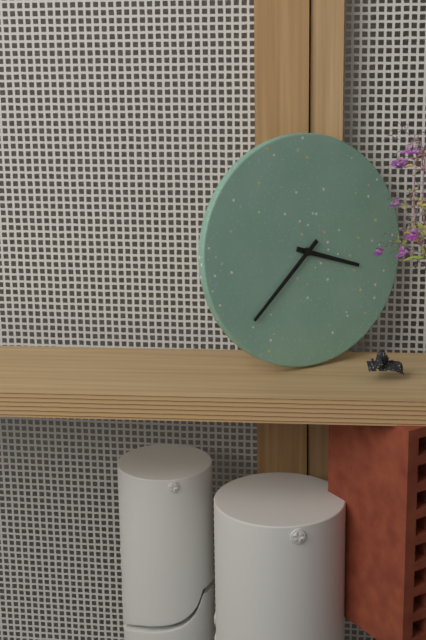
3:38
